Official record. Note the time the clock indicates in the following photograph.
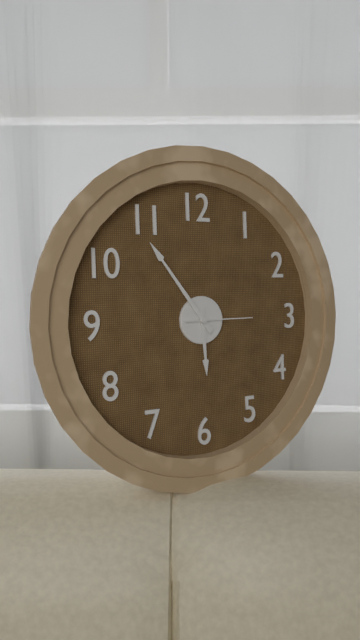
5:54:15
